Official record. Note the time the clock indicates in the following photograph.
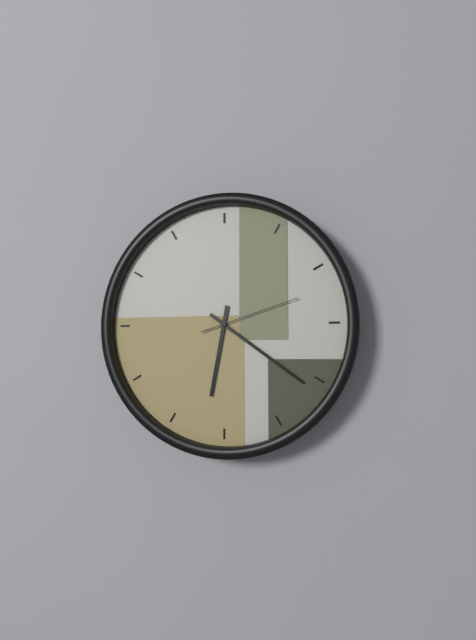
6:21:12
